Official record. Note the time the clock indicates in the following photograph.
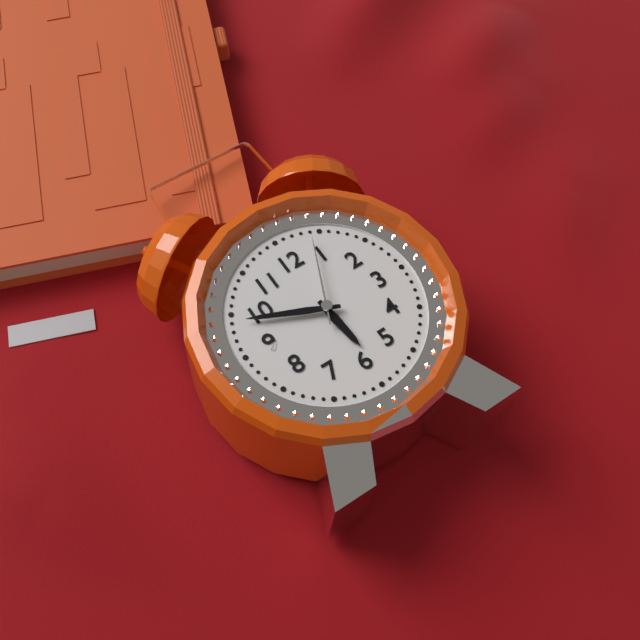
5:49:04
